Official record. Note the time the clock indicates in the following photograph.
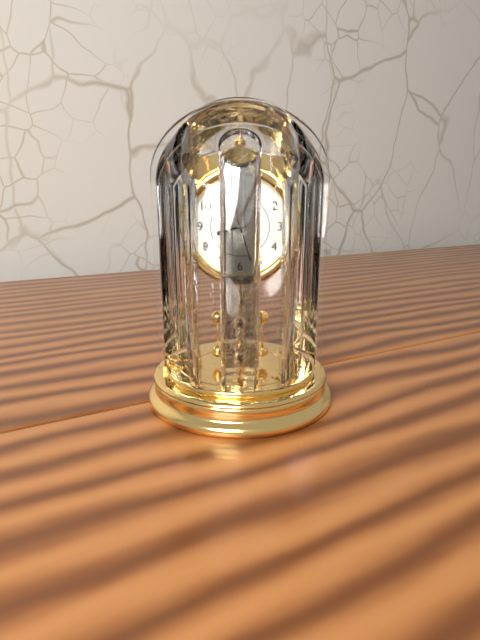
8:27
